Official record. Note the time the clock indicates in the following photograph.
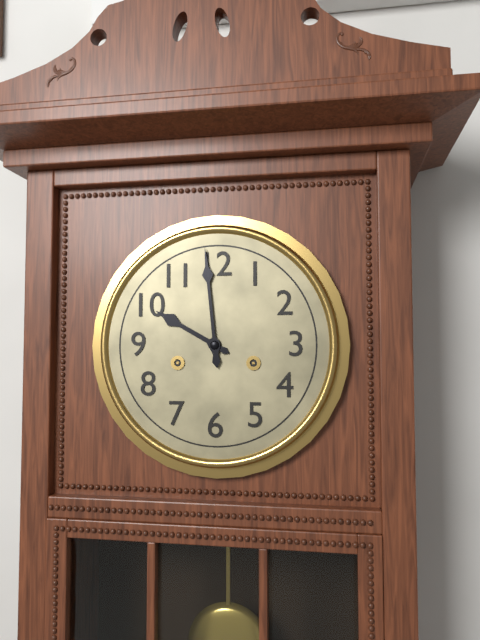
9:59
